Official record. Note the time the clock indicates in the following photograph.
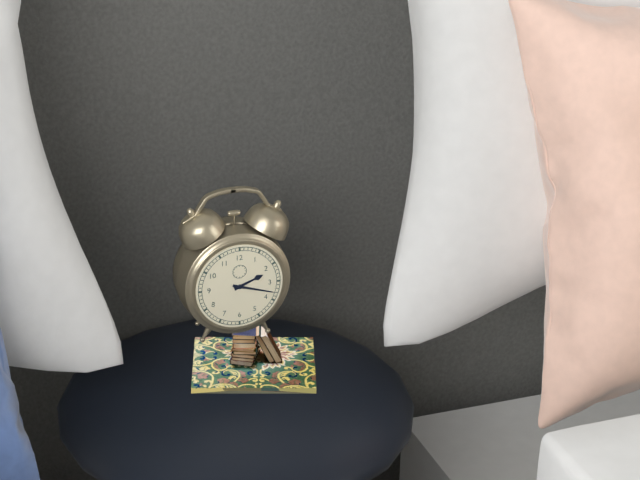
2:18
